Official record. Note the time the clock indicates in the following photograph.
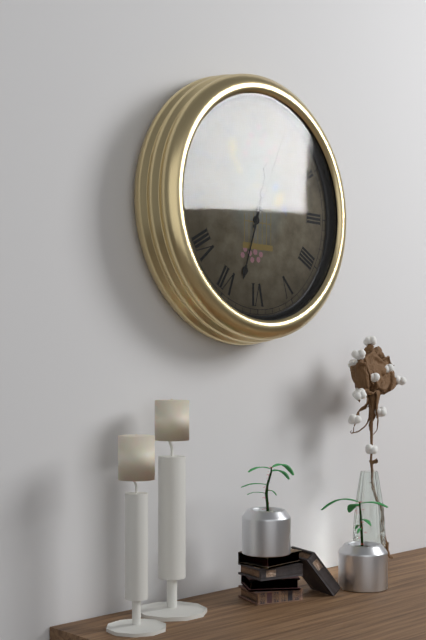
12:33:04
